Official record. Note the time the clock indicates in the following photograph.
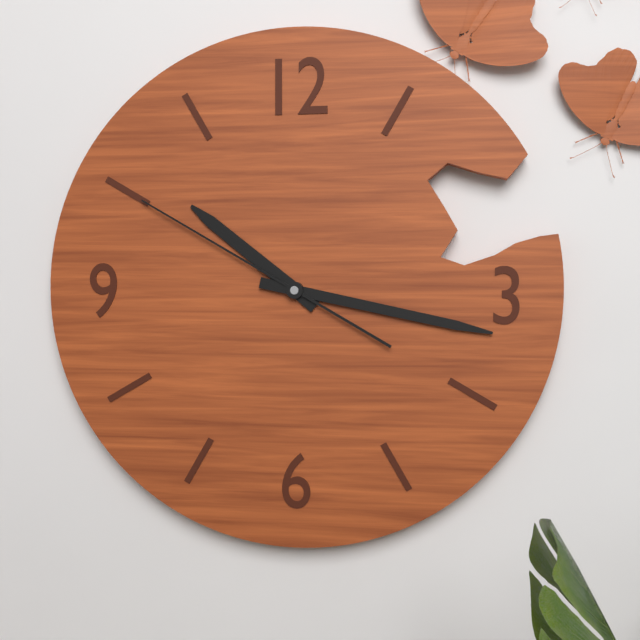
10:17:50
